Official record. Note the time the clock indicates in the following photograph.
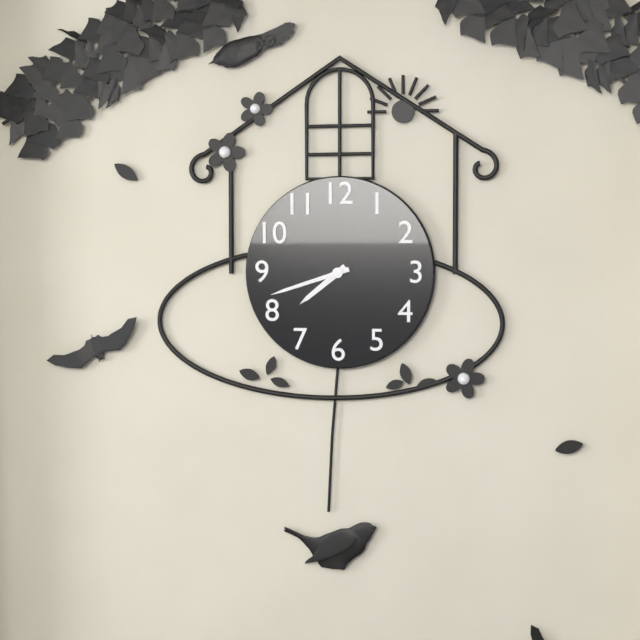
7:42
